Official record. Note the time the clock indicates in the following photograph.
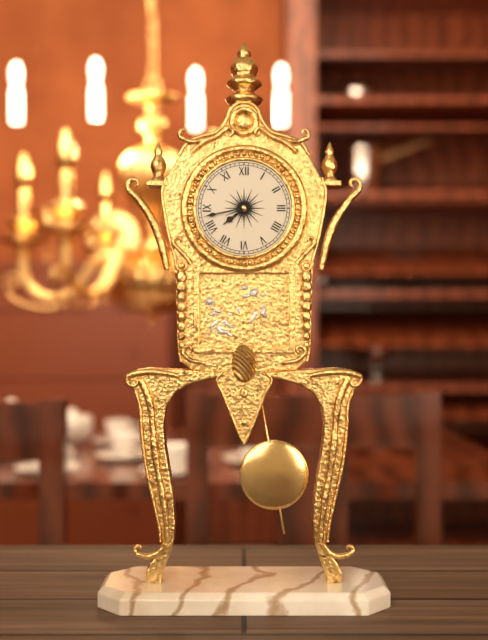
7:43
